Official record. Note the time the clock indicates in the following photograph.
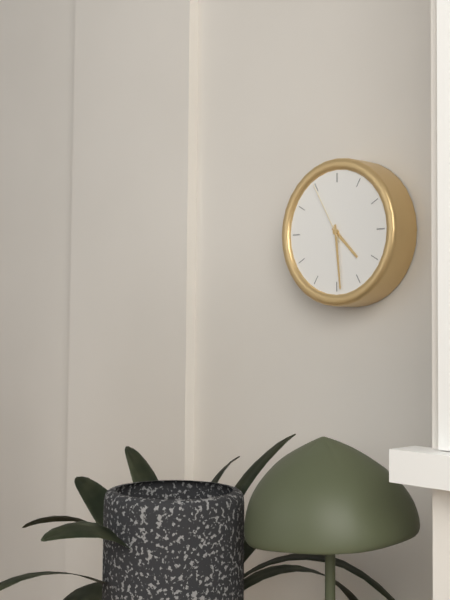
4:29:55
